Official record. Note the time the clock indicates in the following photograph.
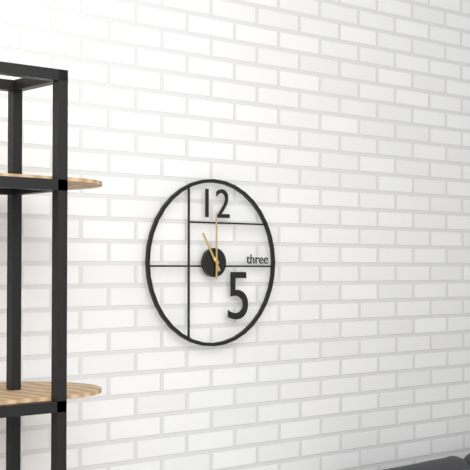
11:00
